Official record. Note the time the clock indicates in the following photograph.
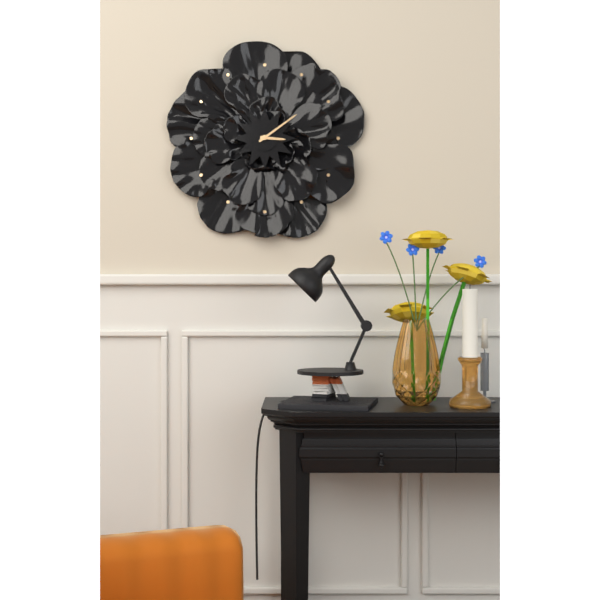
3:09
